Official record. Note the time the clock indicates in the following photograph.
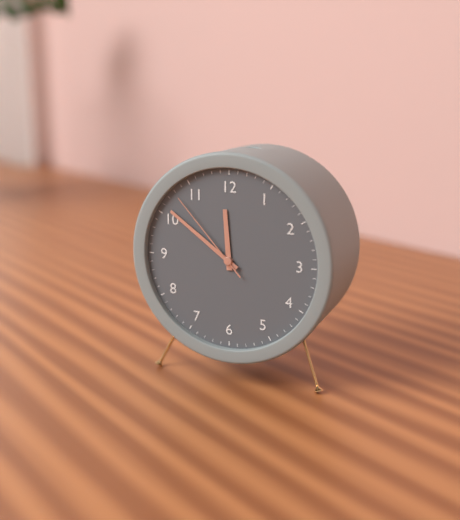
11:51:53
